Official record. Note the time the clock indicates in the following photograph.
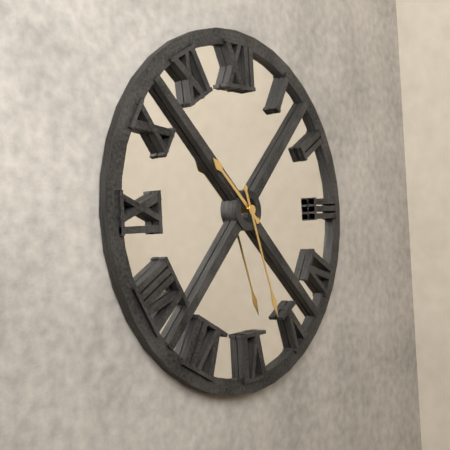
10:27
